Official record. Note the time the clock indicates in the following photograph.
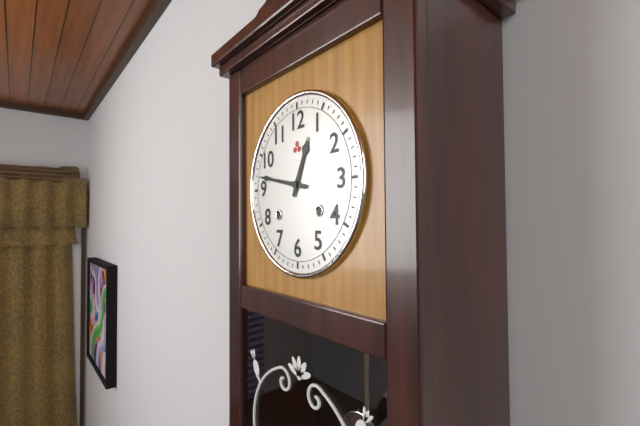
12:47
